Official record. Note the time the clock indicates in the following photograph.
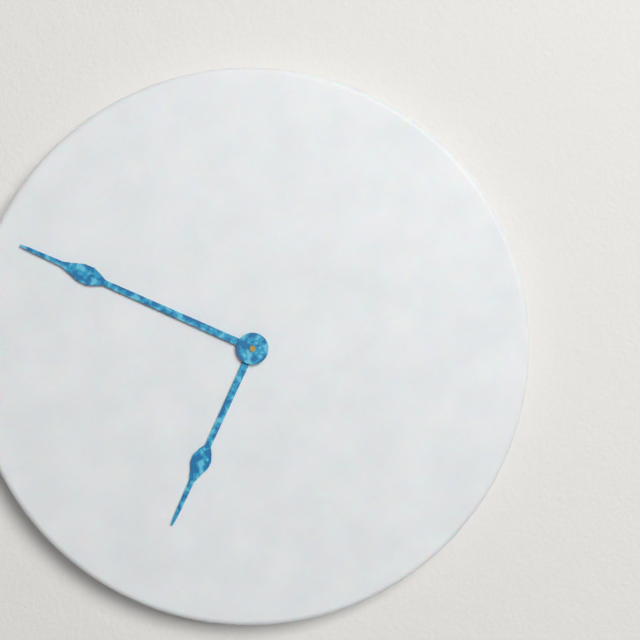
6:49
